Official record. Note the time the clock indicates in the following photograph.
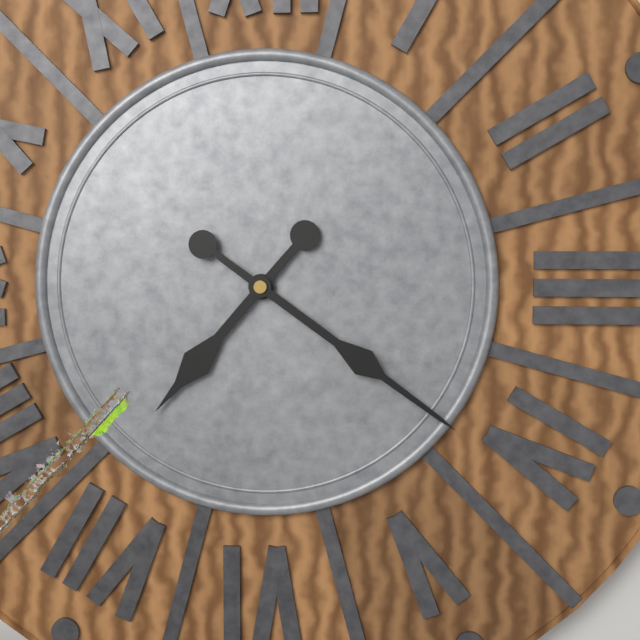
7:21
